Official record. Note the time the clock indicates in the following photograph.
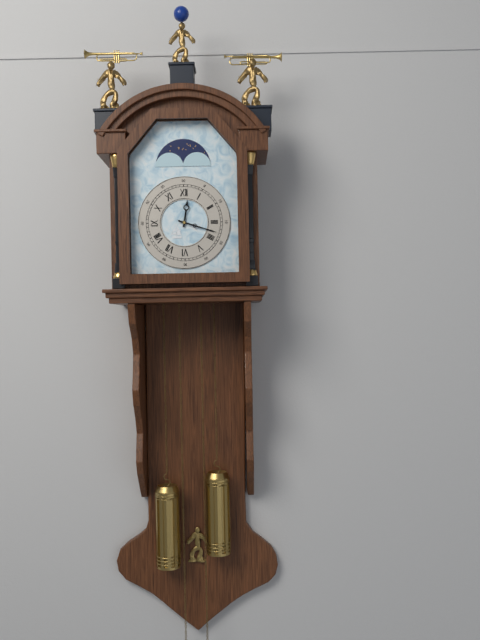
12:18
